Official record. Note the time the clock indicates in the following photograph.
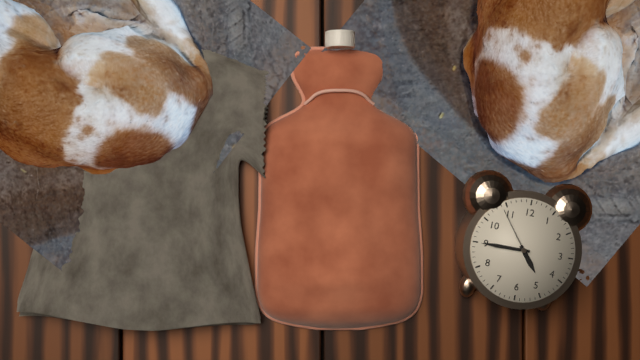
4:45:54
